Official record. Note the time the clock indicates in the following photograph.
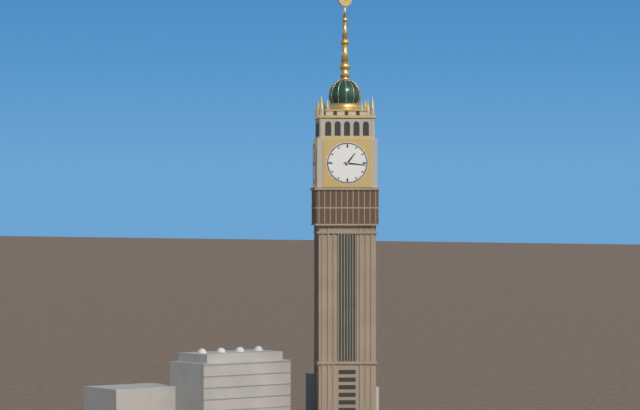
1:16
